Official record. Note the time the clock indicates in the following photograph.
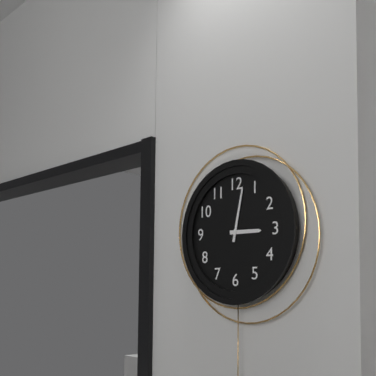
3:02
